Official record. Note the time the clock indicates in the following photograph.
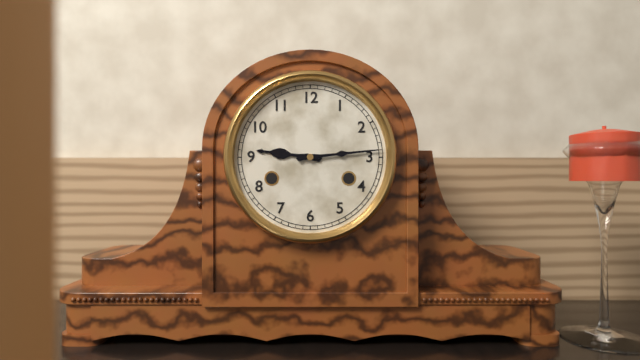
9:14
